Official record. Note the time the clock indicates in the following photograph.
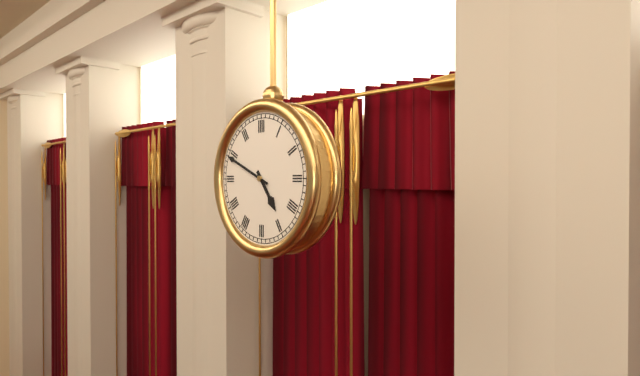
4:49
